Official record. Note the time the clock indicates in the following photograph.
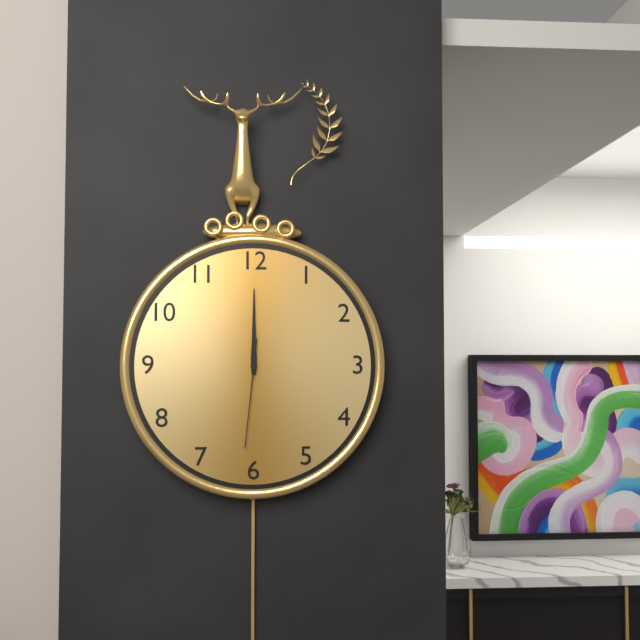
12:00:31
